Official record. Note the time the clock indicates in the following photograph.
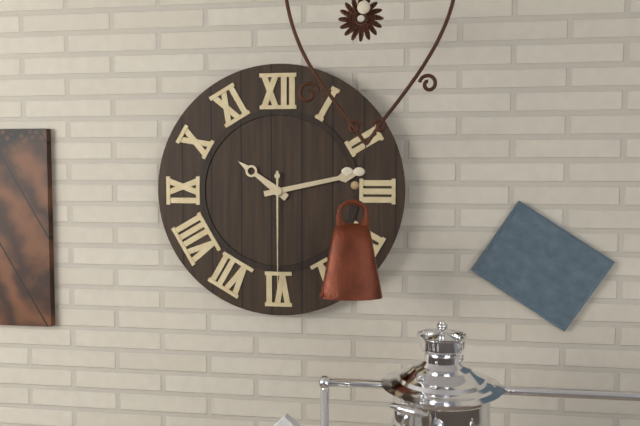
10:13:30
